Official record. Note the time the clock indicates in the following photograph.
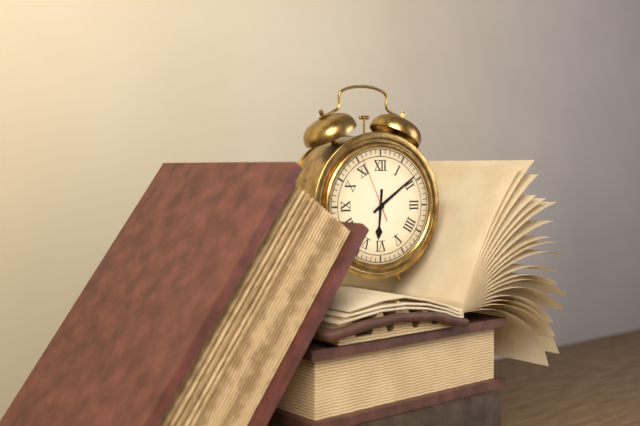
6:09:56
